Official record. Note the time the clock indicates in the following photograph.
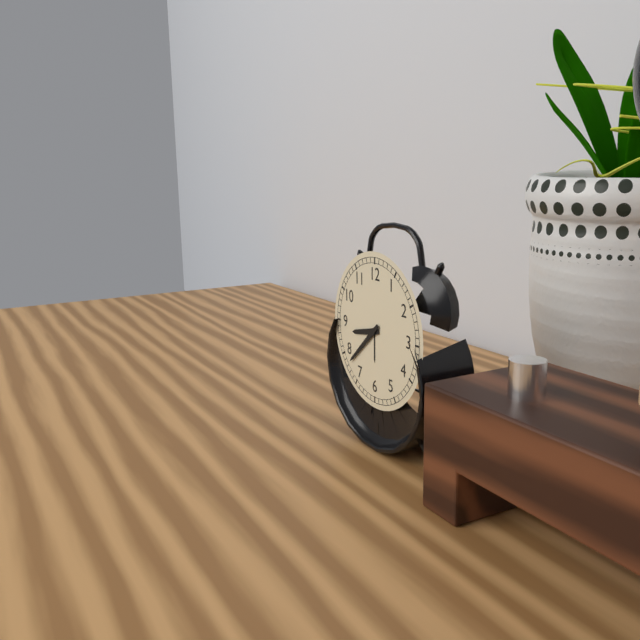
8:38
